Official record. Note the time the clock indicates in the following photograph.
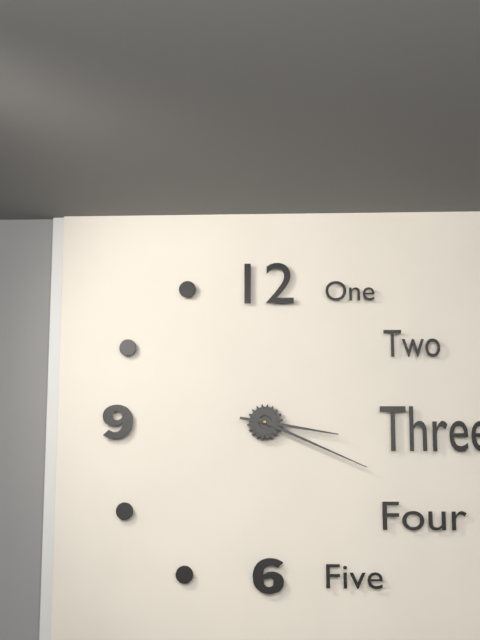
3:19
